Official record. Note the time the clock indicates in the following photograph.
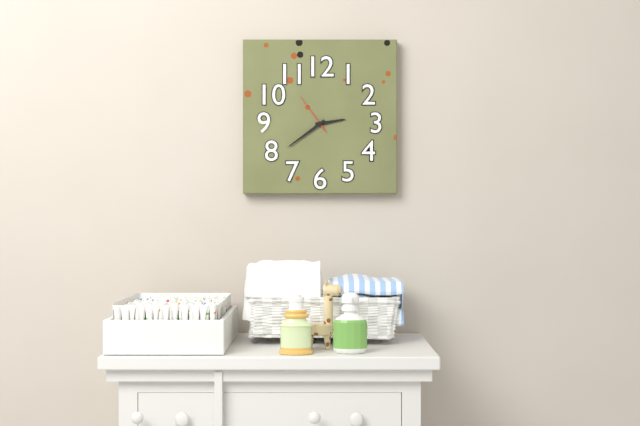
2:39
